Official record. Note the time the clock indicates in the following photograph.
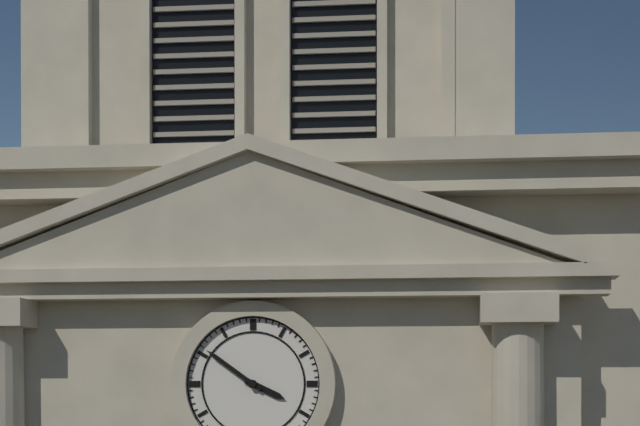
3:51
